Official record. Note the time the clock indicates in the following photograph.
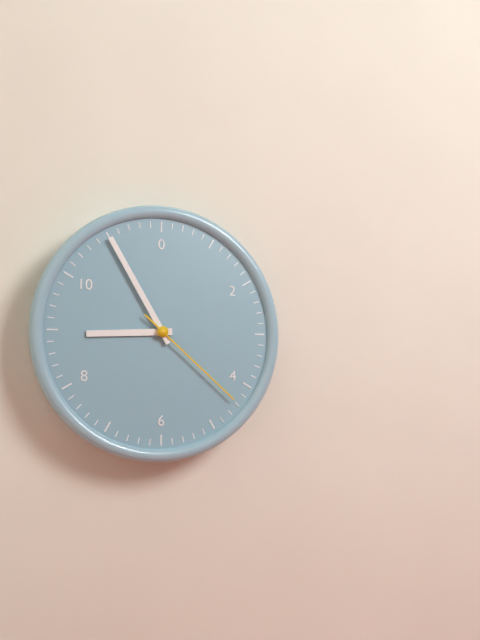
8:55:22
